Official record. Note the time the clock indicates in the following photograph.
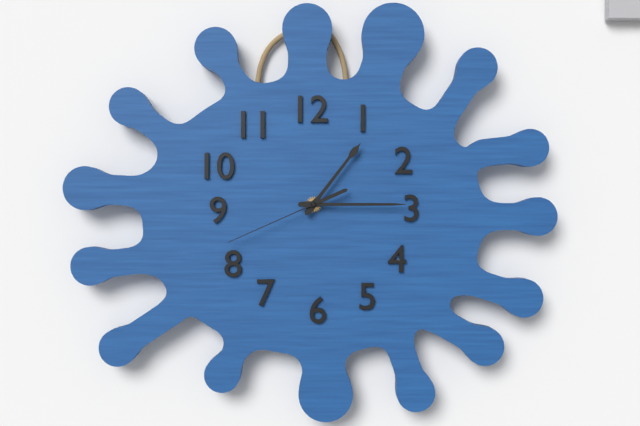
1:15:41
